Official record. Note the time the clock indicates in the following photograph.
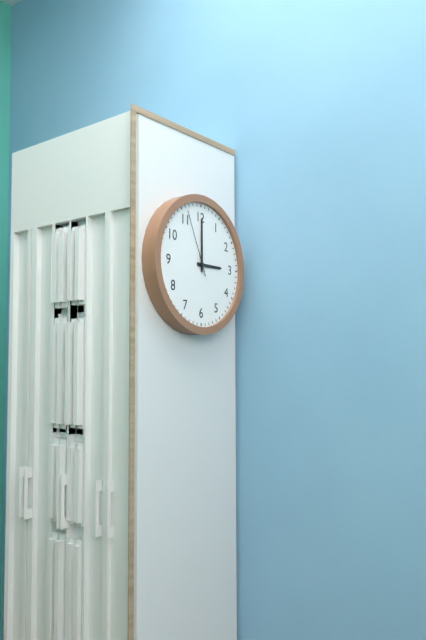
3:00:56
